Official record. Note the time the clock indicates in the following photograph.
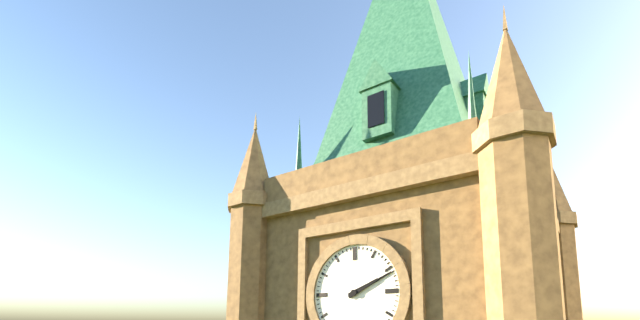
2:11
